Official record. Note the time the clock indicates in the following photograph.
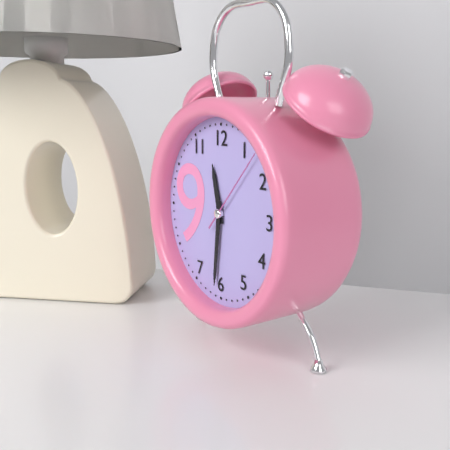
11:31:07
